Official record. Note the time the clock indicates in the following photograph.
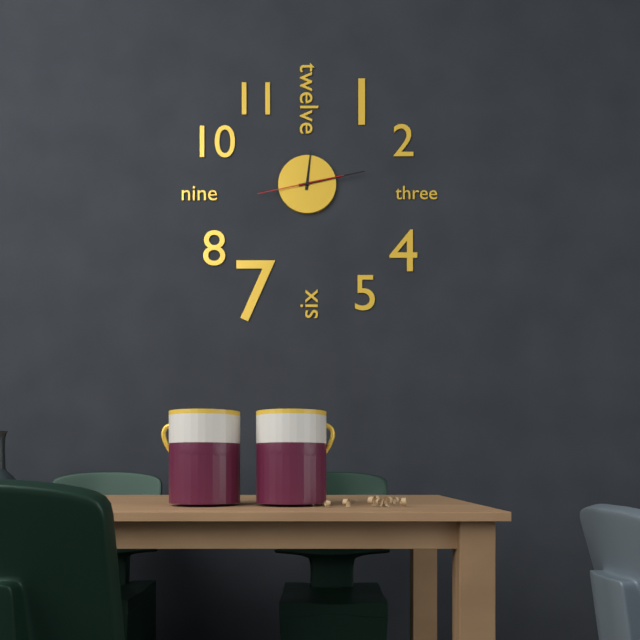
12:13:43
